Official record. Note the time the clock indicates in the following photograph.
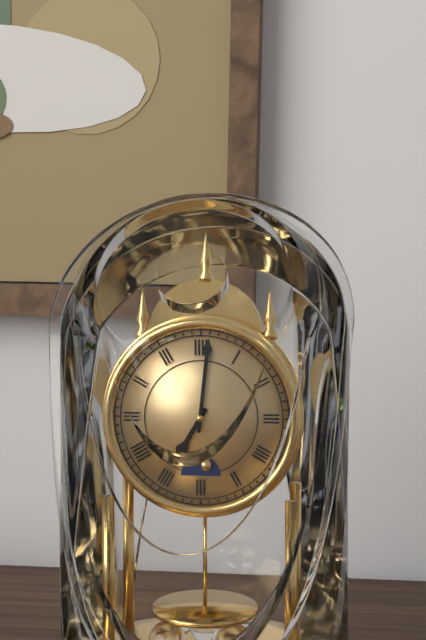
7:01
